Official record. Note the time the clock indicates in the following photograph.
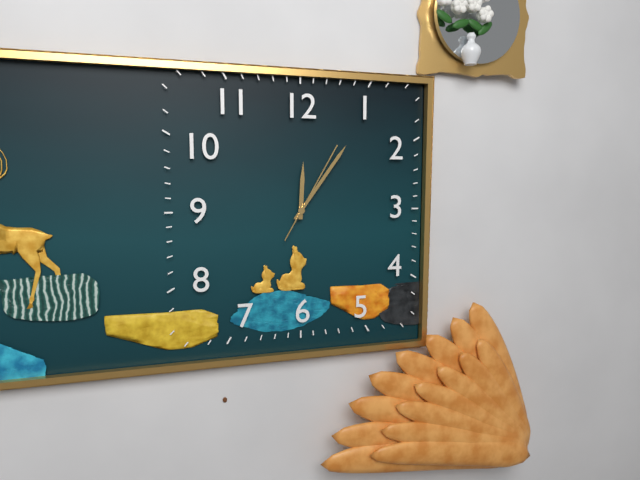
12:06:05
